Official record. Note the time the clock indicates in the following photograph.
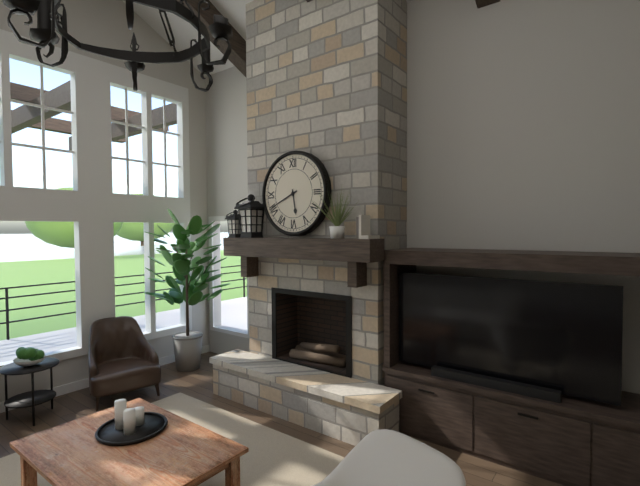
5:41
